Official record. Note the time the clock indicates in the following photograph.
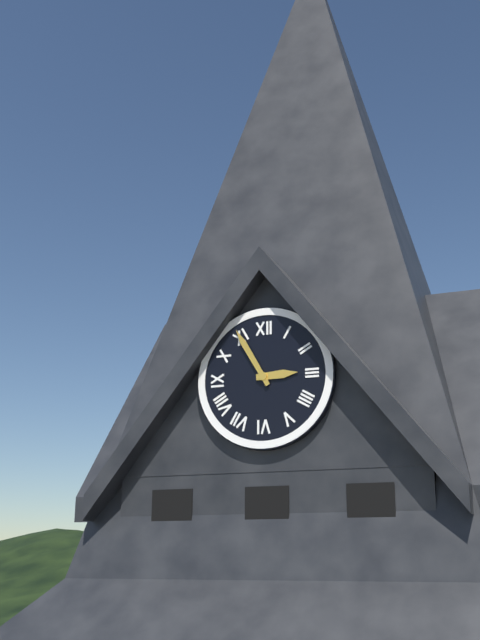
2:55
